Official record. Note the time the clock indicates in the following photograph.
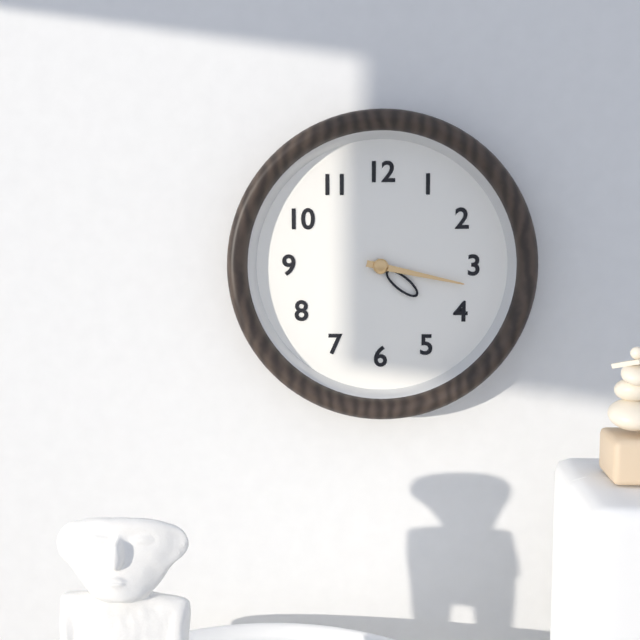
4:17
